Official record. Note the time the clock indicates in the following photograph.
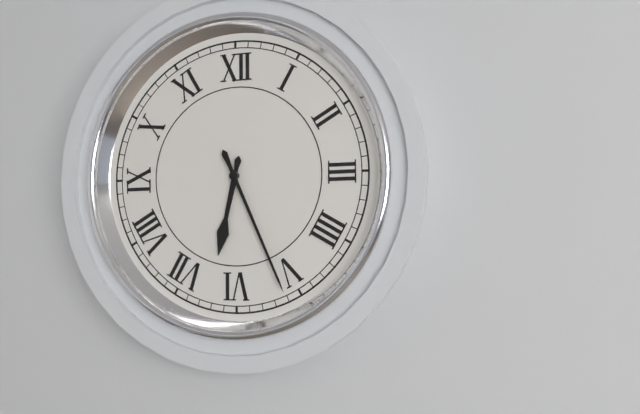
6:26
